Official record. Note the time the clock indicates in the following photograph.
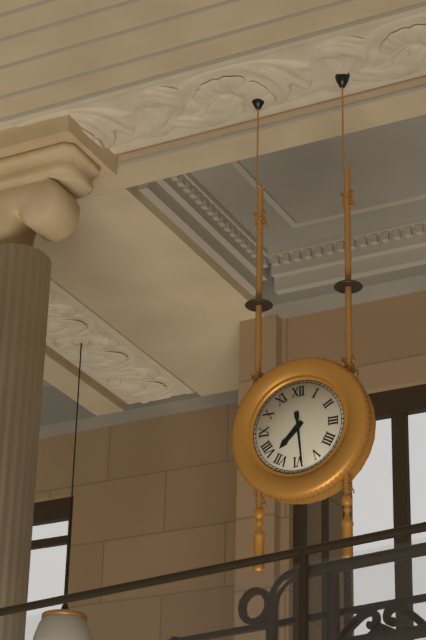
7:29
